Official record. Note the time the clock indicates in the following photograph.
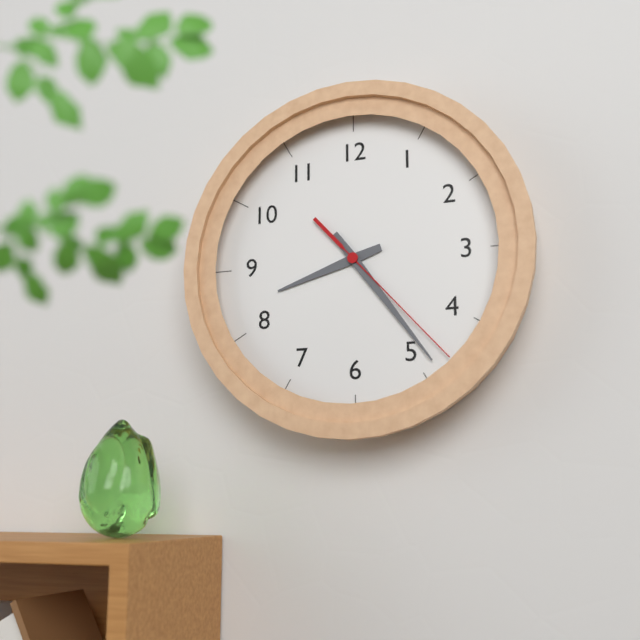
8:24:23
